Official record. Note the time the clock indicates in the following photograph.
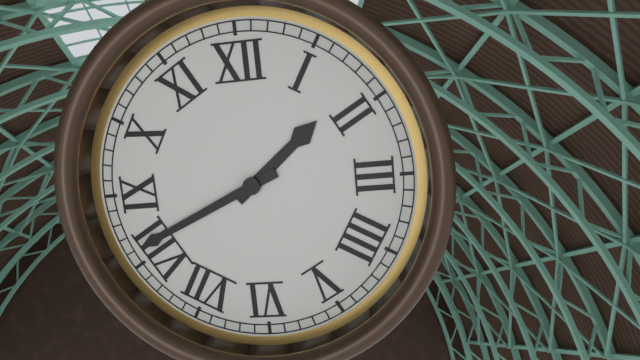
1:41
